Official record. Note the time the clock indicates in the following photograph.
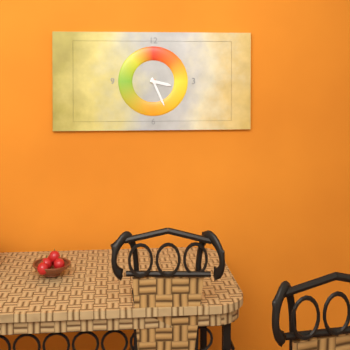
3:26
